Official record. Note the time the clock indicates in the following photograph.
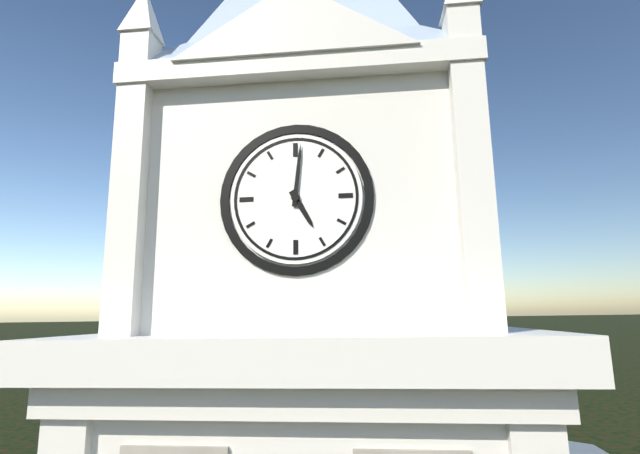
5:01
